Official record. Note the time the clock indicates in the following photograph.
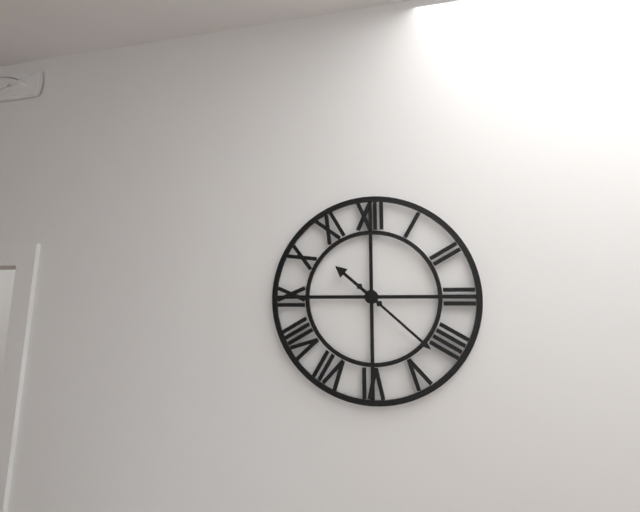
10:22
